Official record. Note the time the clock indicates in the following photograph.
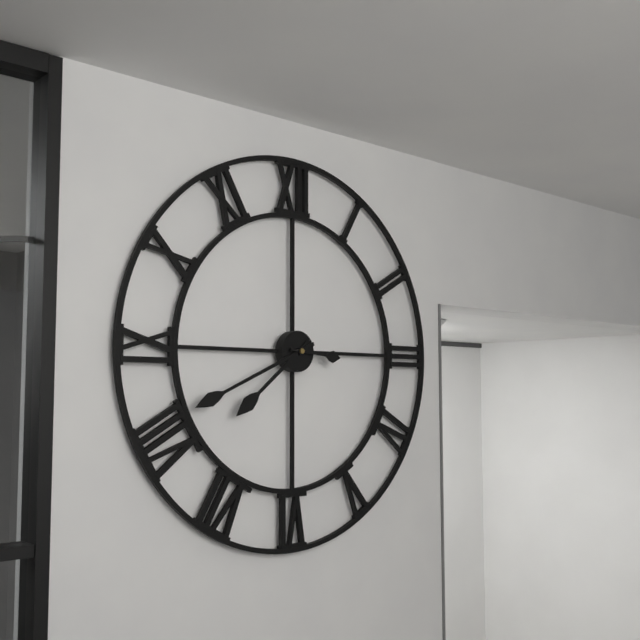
7:41:16
